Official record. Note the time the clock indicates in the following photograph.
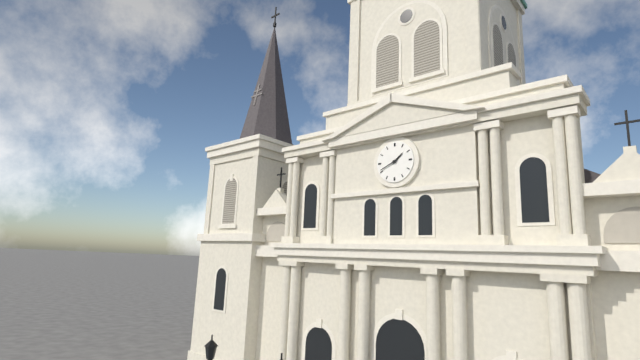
1:41
